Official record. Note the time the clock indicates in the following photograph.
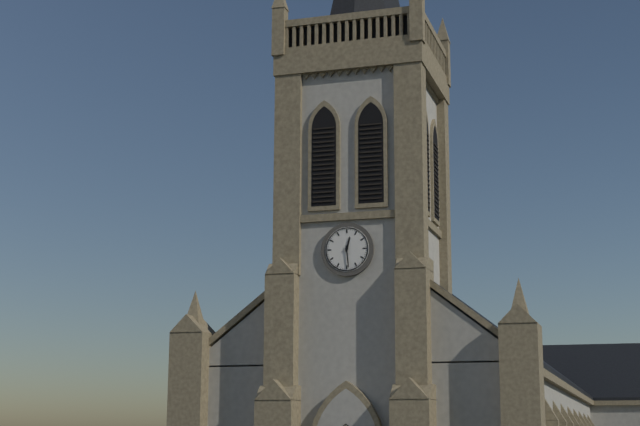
12:29
